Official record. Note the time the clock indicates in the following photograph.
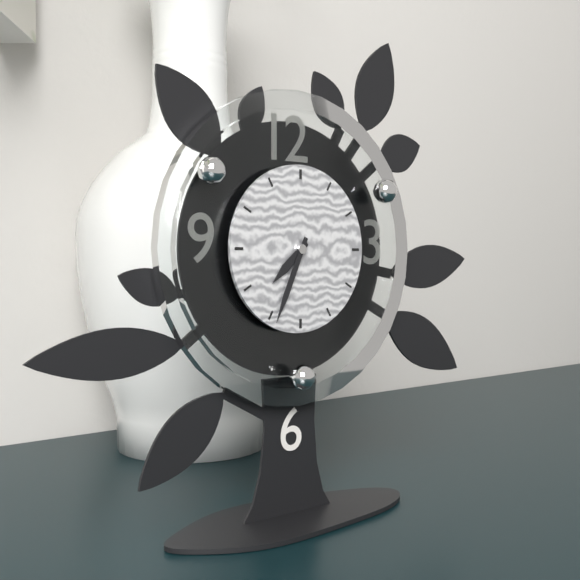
7:34
